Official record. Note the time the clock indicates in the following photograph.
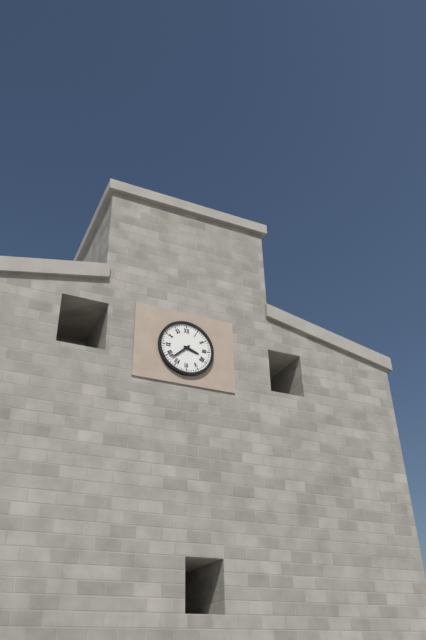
3:38
